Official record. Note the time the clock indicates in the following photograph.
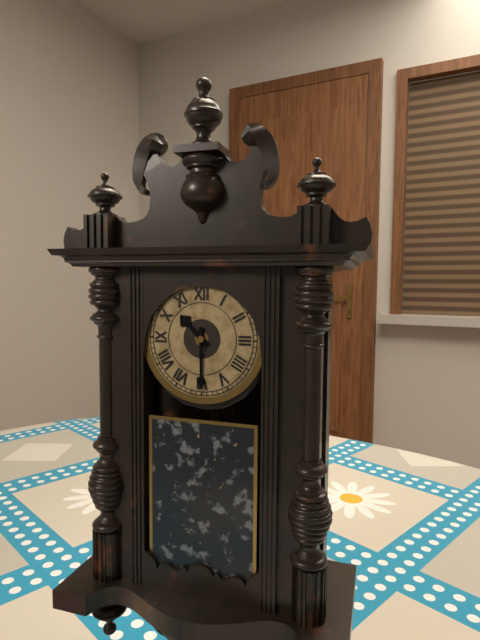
10:30
